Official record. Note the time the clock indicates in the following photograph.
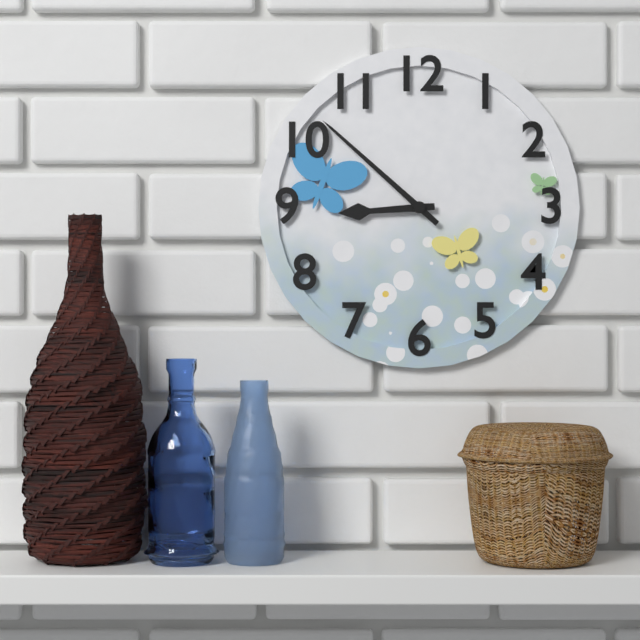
8:52
